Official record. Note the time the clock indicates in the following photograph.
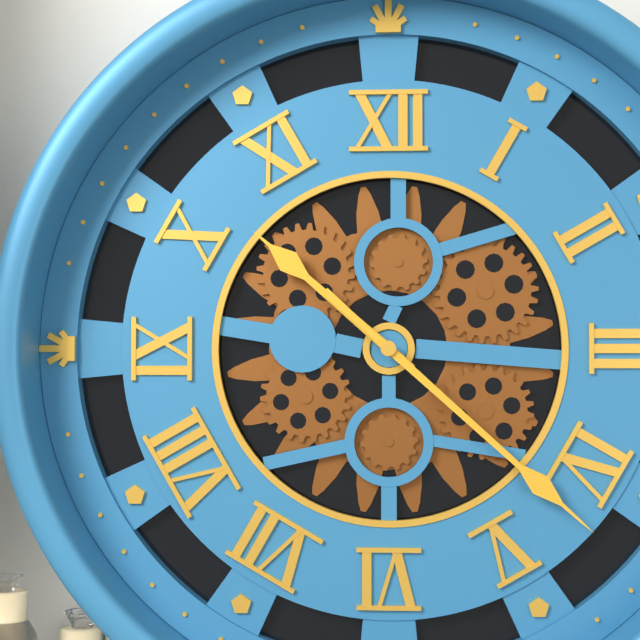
10:22
